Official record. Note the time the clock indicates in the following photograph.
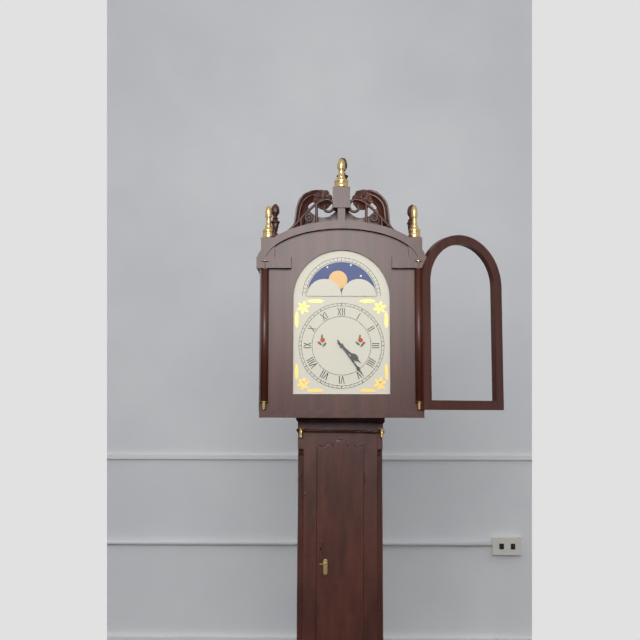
4:24
